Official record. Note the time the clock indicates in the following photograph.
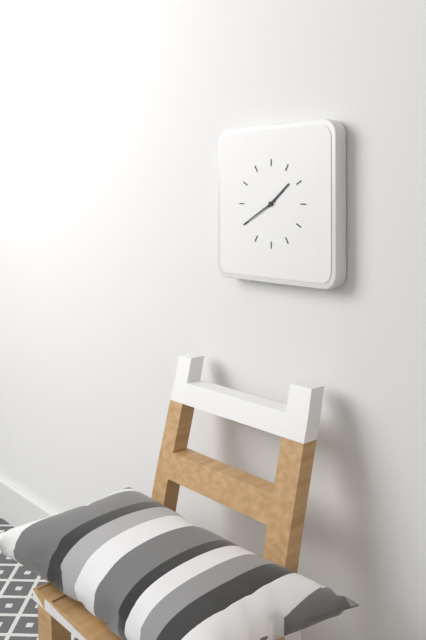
1:40
